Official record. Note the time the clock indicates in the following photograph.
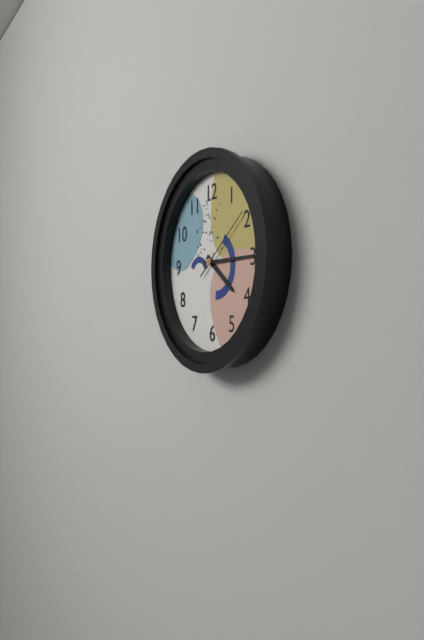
4:15:09
